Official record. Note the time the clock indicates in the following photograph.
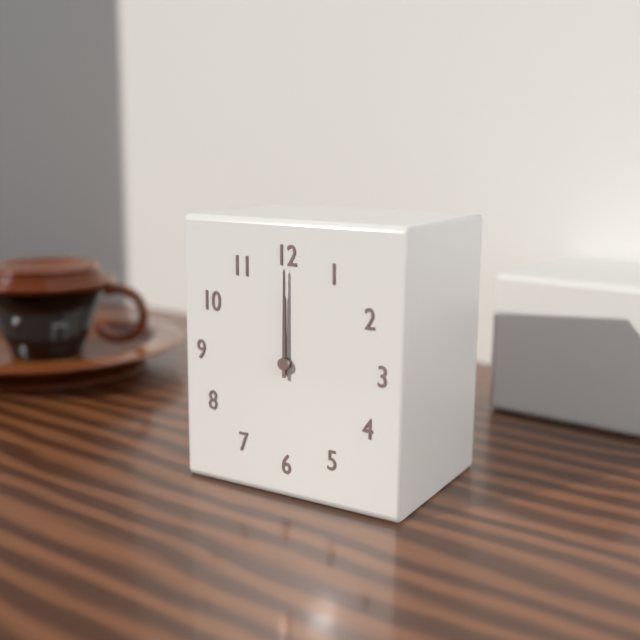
12:00
